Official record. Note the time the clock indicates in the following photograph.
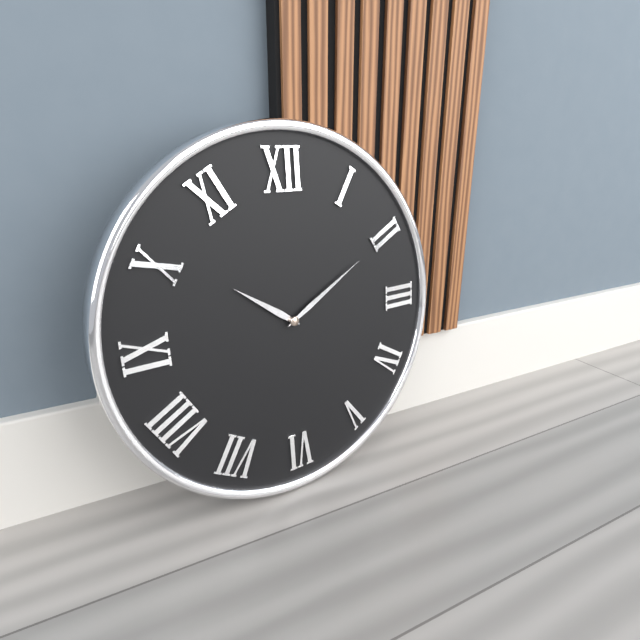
10:10
